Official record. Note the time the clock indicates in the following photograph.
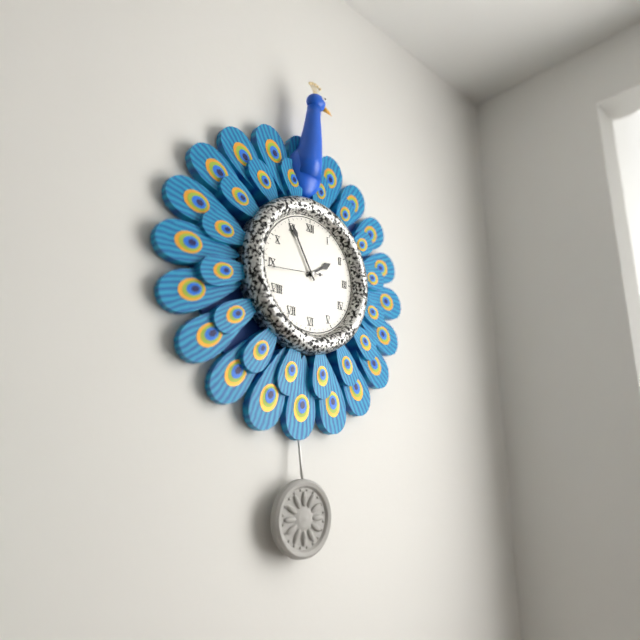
1:55:44
